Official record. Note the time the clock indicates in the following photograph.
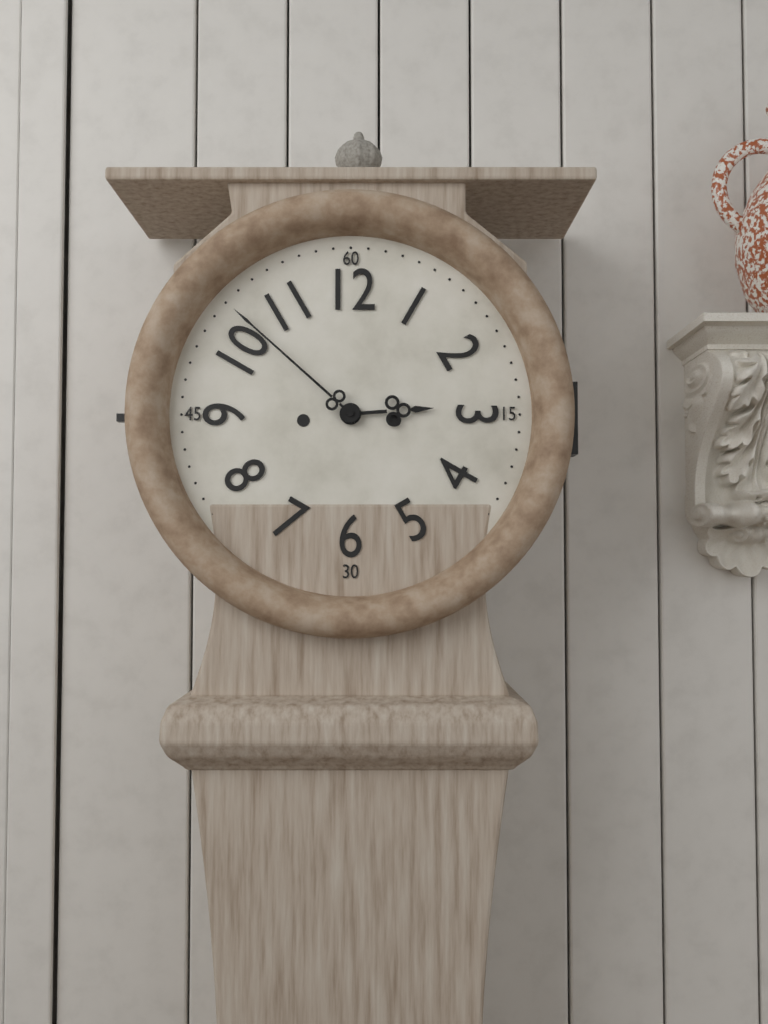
2:52
